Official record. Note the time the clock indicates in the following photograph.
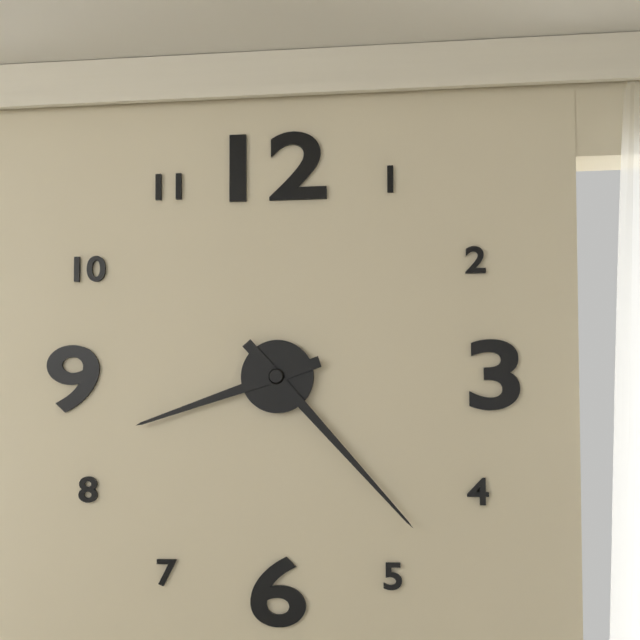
8:23
